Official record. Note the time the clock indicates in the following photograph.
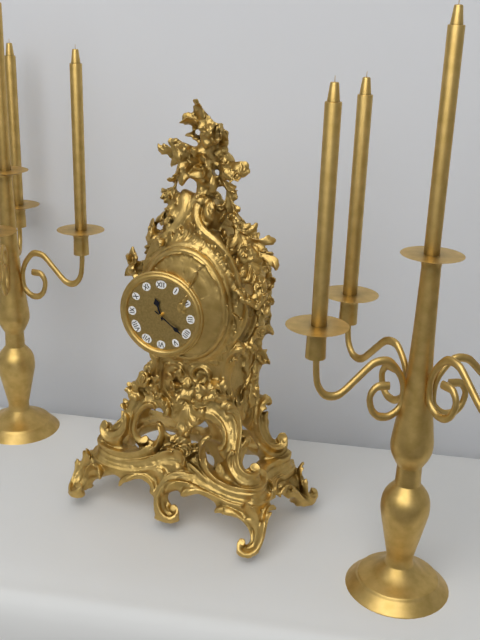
11:21
